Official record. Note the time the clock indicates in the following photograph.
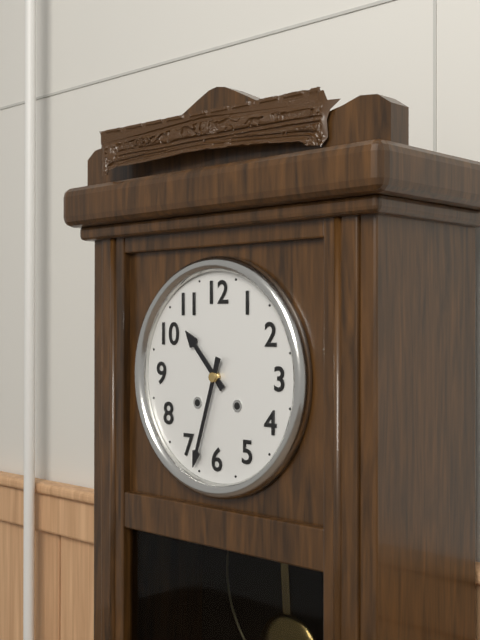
10:33
